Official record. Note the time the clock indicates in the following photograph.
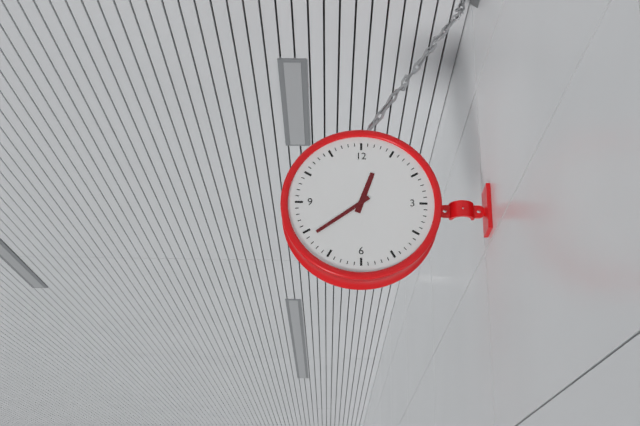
12:39
